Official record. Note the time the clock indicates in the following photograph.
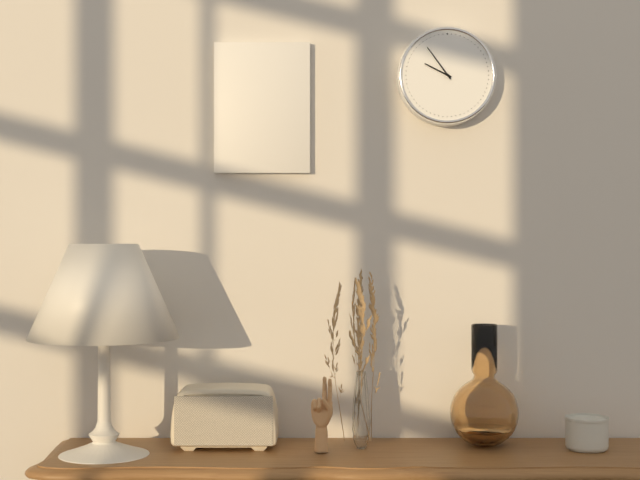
9:54
